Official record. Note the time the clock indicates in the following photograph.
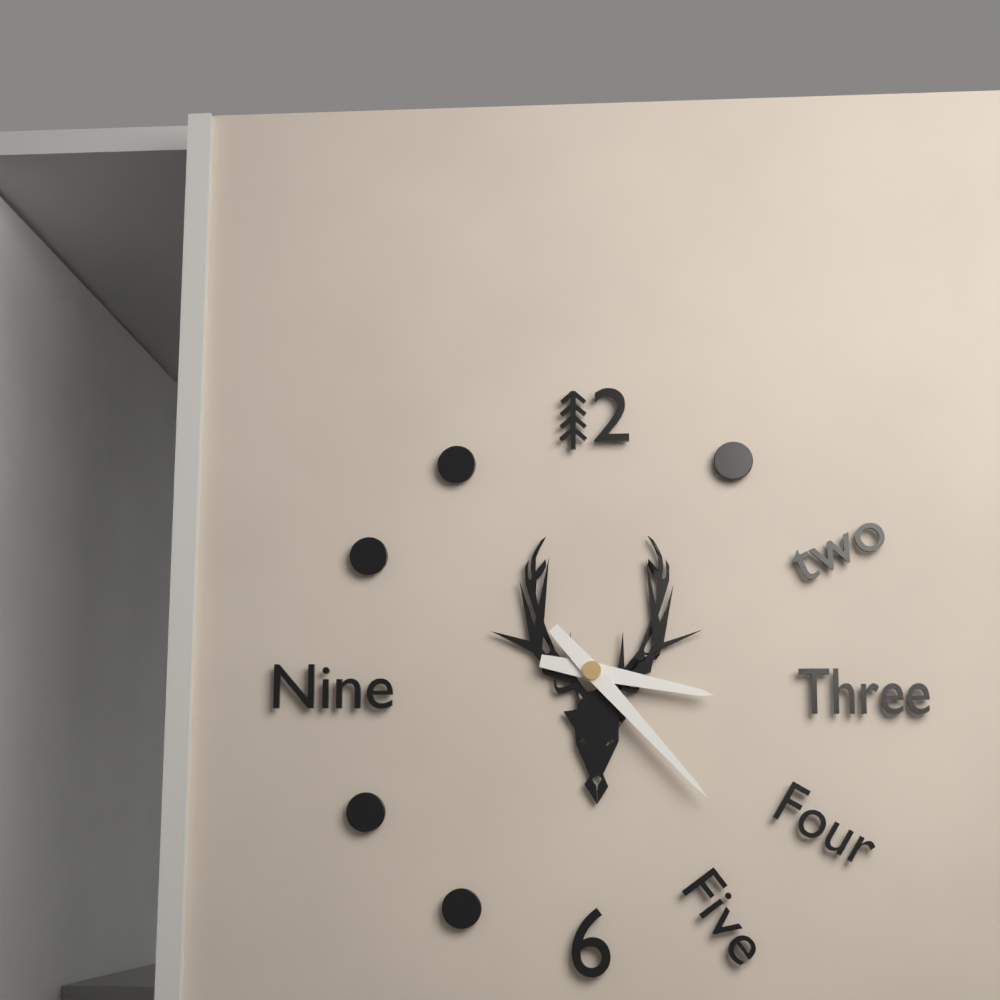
3:23
